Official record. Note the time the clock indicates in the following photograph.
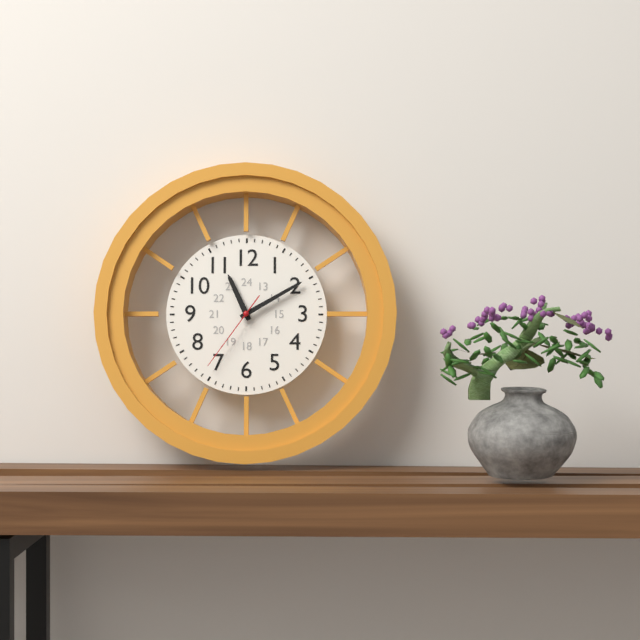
11:10:36
